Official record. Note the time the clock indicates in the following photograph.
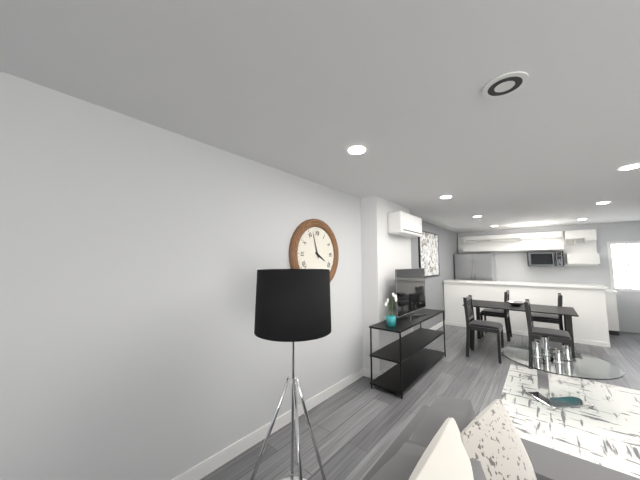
3:57
